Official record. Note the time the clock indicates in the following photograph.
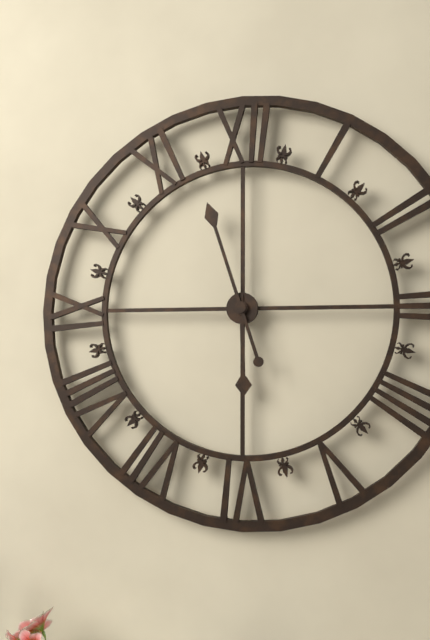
5:57
